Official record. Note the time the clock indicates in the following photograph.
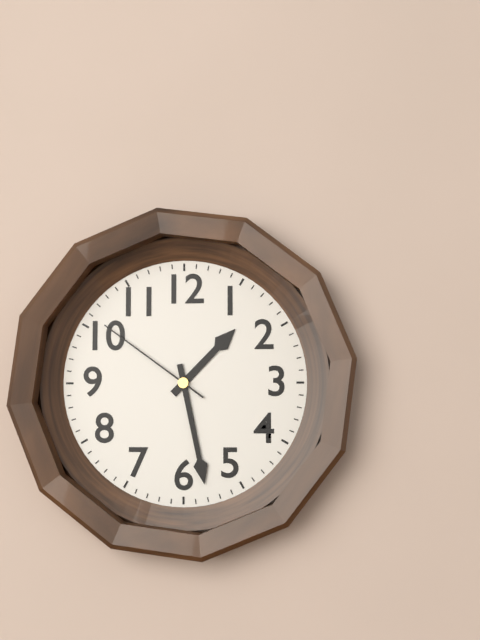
1:28:51
